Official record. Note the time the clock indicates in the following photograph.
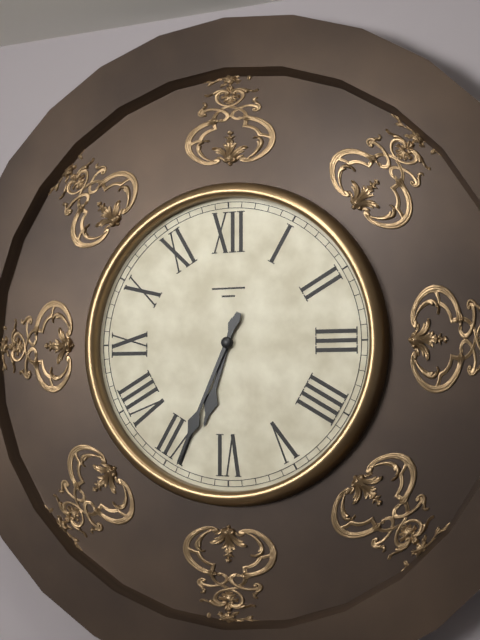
6:34
